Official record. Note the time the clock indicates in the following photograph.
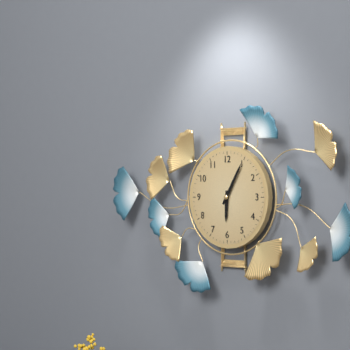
6:05
